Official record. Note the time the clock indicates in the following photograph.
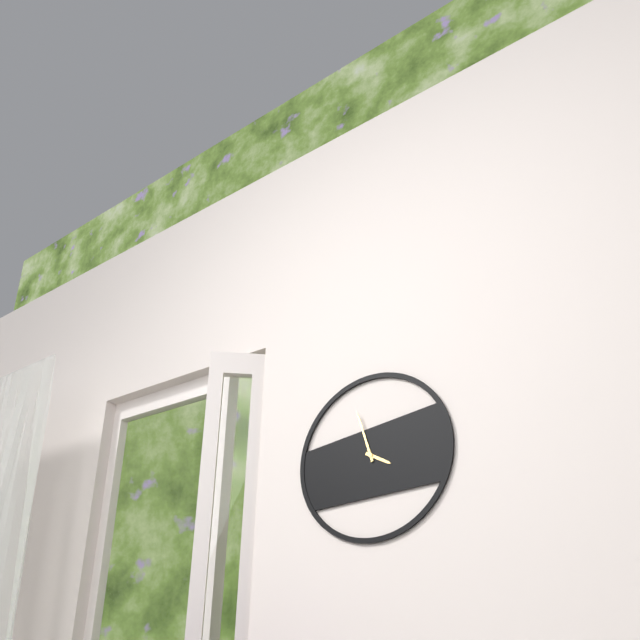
3:57
